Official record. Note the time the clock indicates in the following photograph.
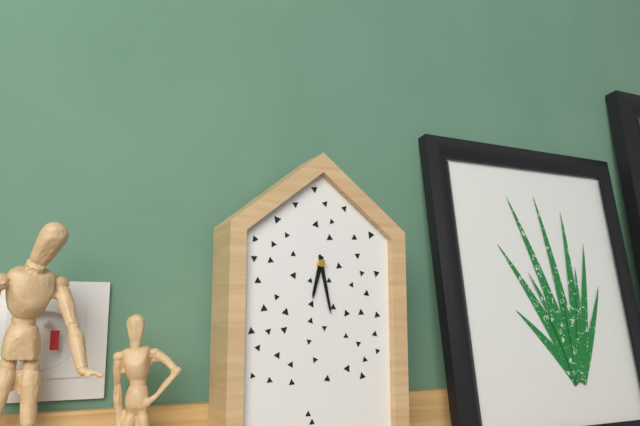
6:28
